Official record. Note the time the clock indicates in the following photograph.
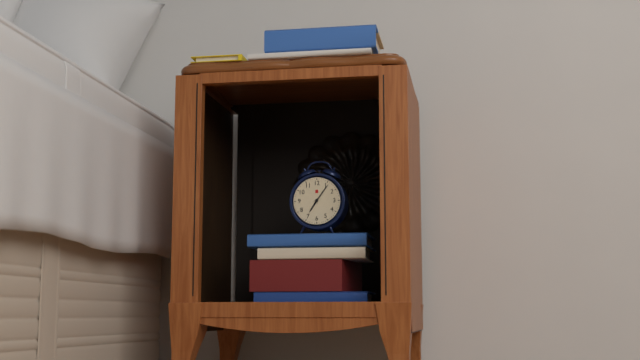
7:06
